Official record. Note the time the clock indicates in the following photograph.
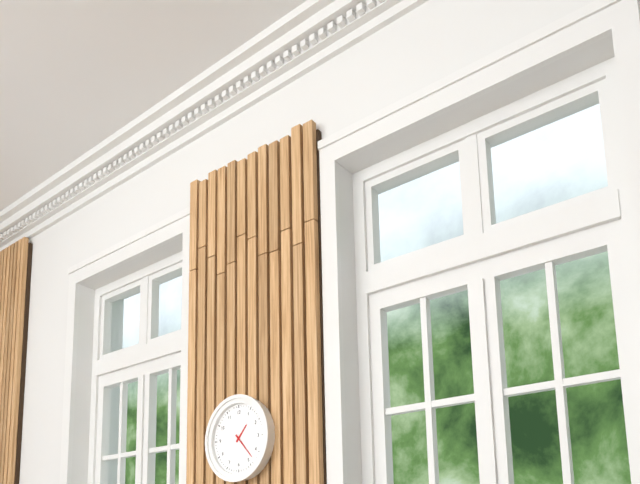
1:23
